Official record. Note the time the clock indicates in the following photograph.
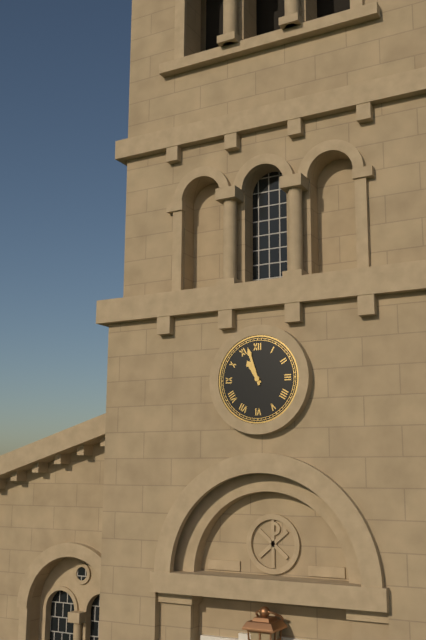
10:57
